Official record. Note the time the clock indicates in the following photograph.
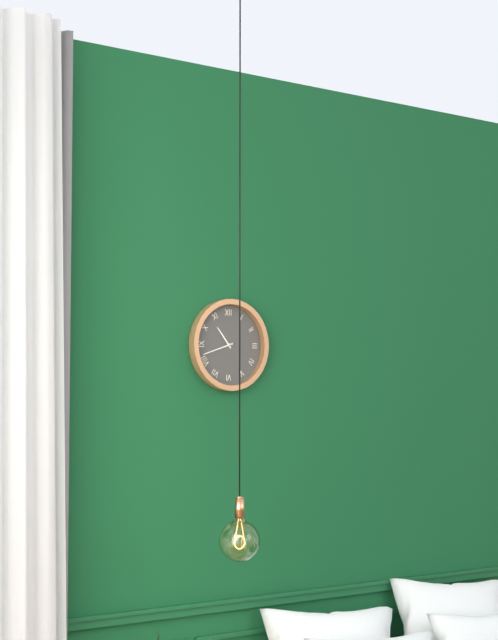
10:42
